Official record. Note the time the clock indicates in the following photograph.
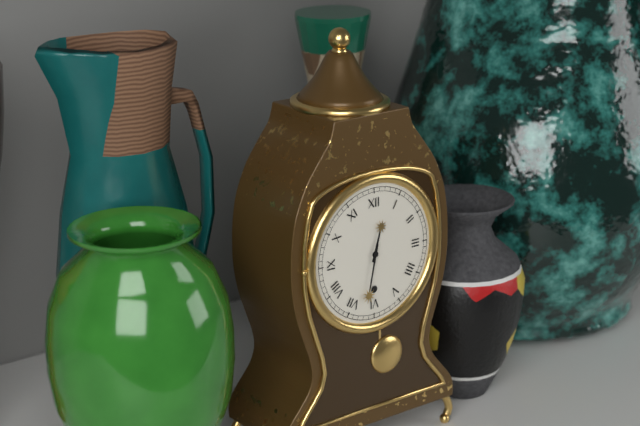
12:32
